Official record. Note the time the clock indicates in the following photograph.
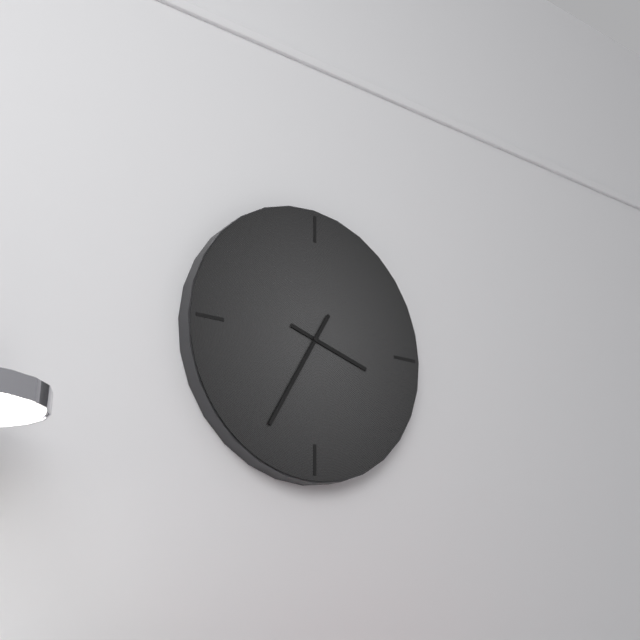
3:35
